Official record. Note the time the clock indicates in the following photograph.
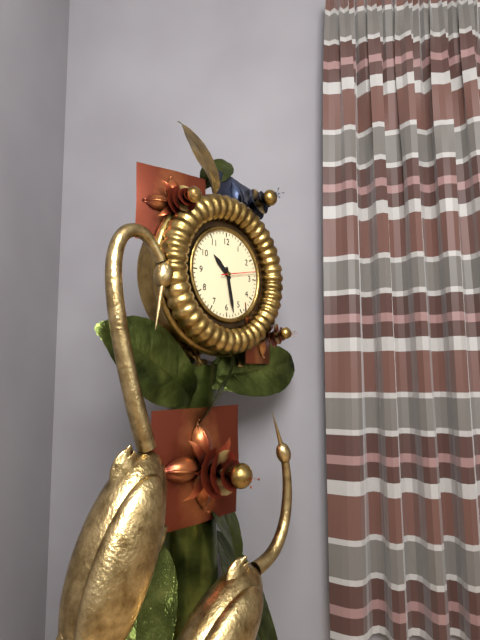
10:28
